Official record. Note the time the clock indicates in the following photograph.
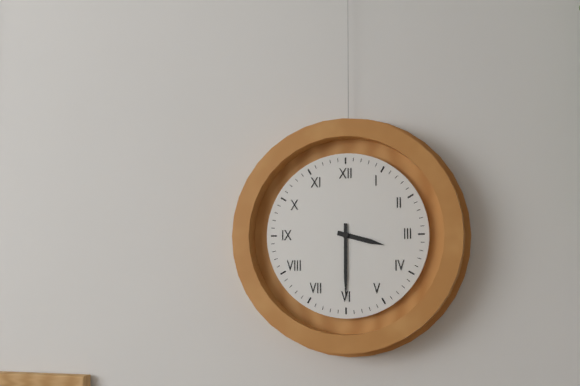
3:30
